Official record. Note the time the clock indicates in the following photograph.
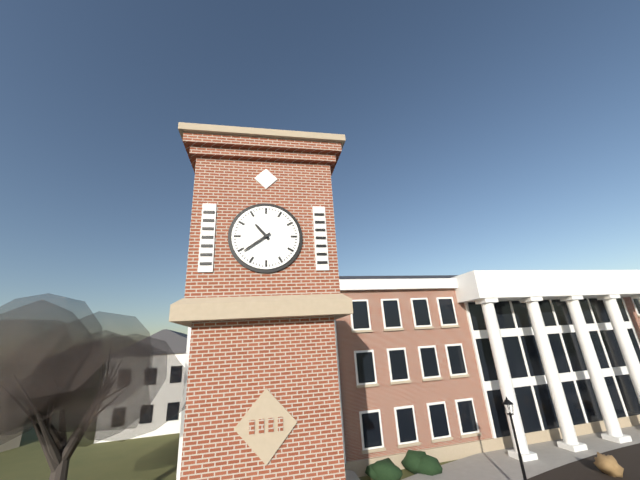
10:39
